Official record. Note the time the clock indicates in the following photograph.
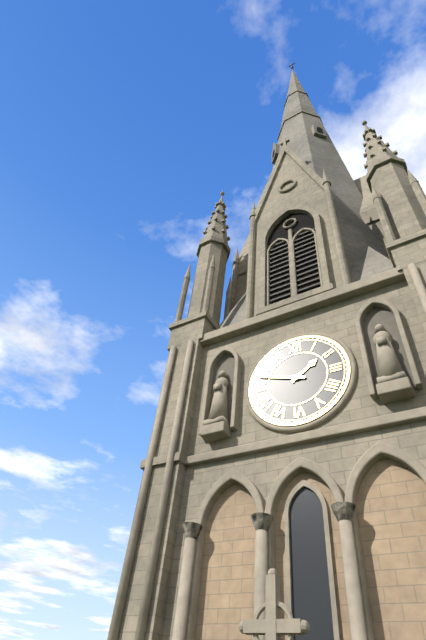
1:48
